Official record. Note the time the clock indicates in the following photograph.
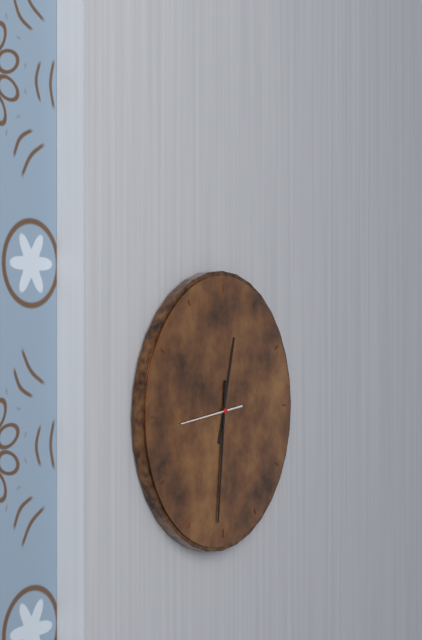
12:31:44
